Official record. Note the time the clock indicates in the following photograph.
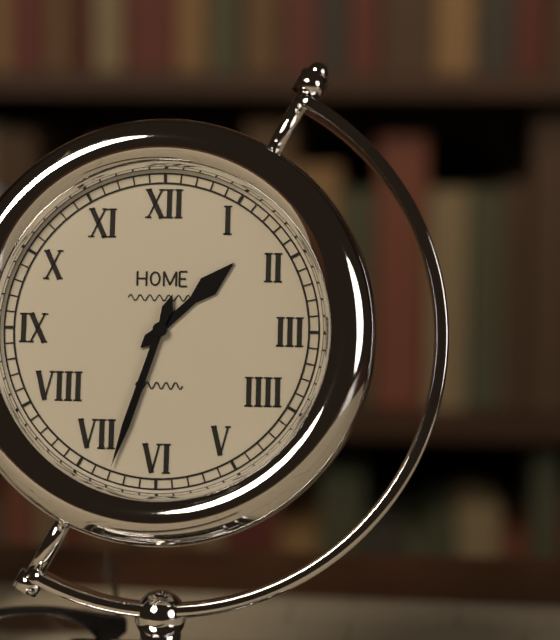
1:33
